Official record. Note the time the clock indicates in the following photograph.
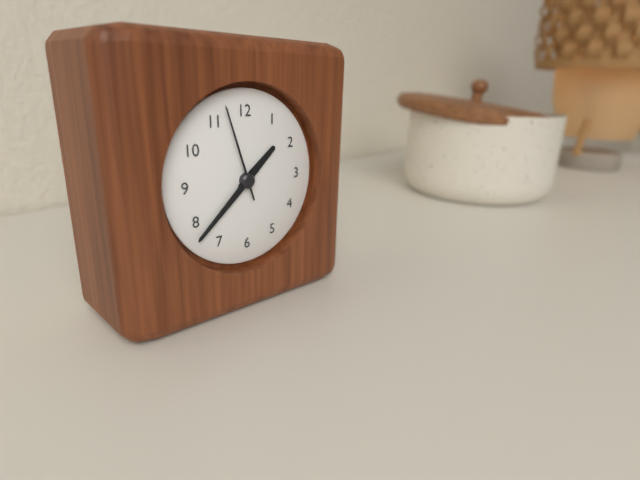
1:38:57
